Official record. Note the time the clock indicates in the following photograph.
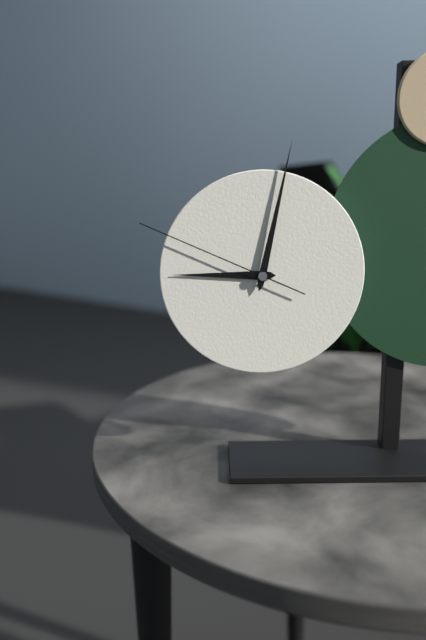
9:02:49
